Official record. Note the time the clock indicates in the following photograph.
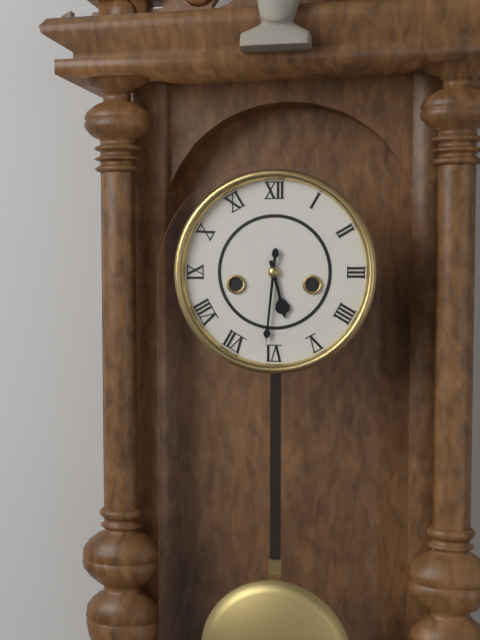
5:31
